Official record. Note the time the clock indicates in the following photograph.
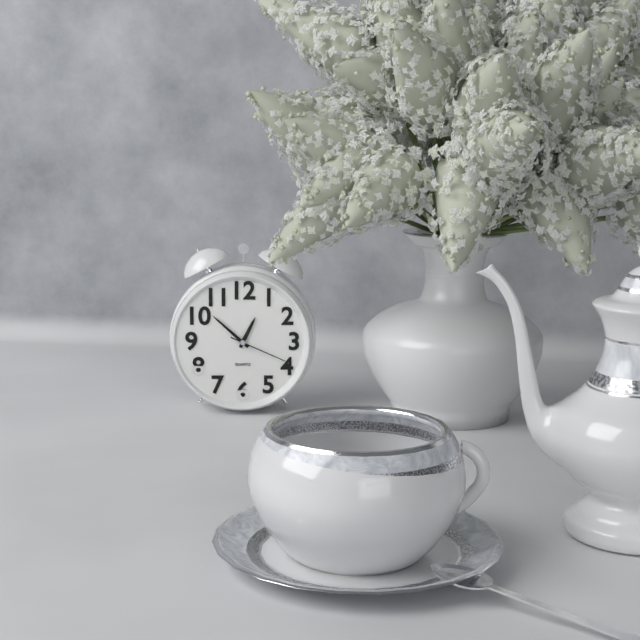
12:52:19
